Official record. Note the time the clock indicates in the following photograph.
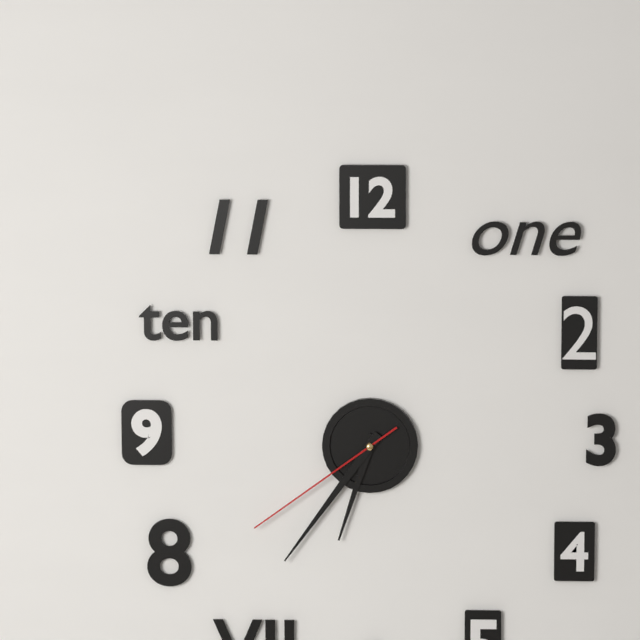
6:36:39
